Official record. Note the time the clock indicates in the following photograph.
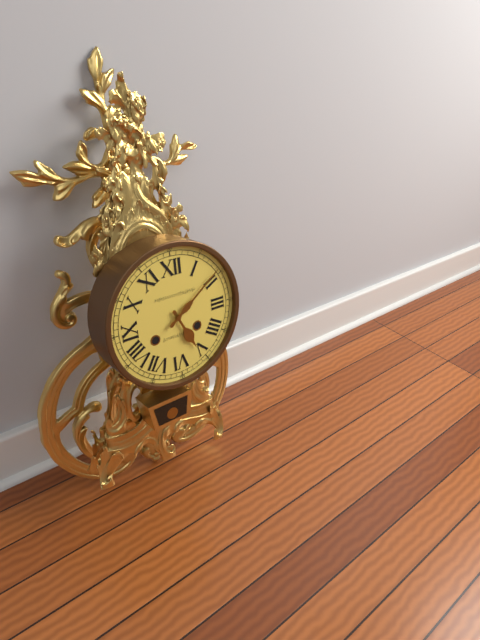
5:09
